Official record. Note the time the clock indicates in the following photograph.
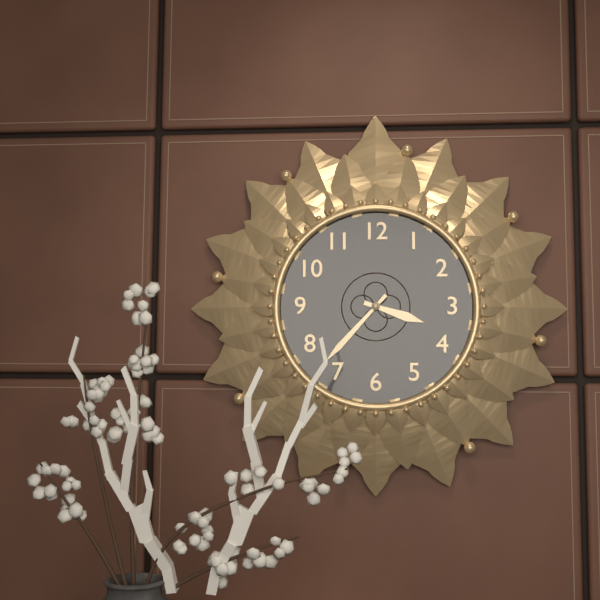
3:37
